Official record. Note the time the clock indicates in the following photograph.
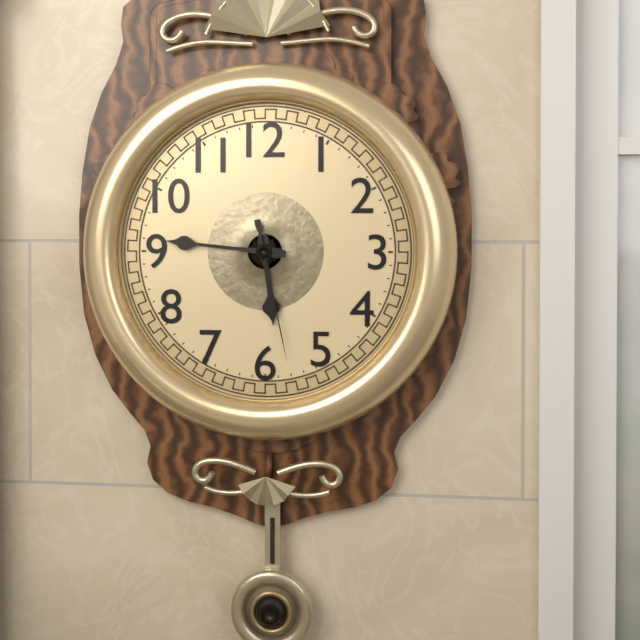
5:46:28
